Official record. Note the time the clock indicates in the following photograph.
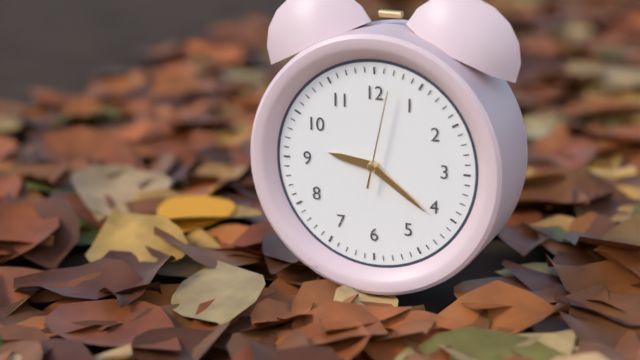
9:21:02
